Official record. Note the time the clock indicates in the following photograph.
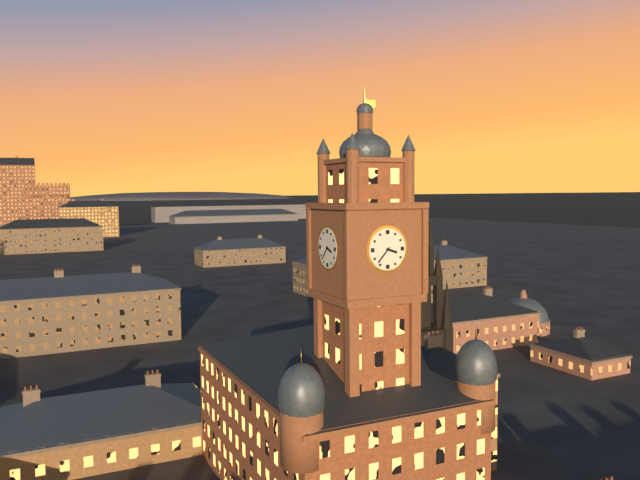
3:37
